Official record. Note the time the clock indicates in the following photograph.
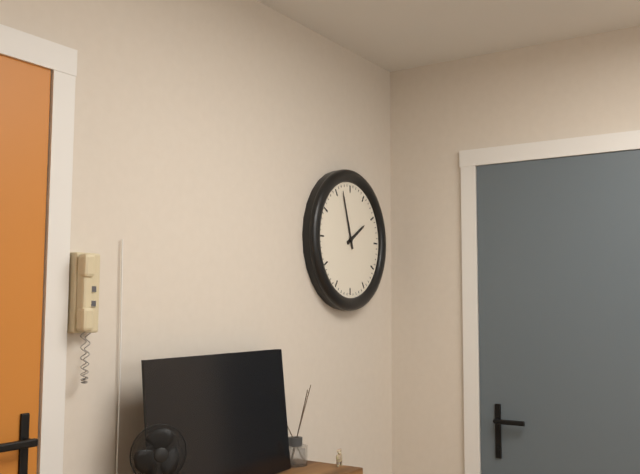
1:57
